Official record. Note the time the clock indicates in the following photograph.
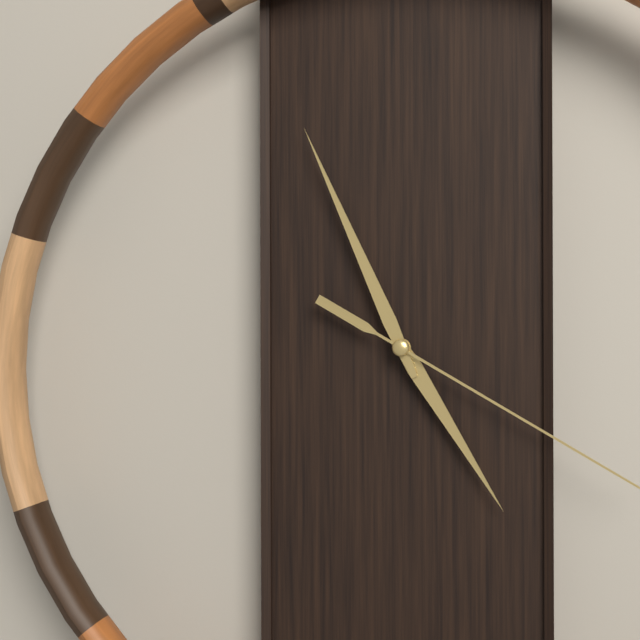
4:56
